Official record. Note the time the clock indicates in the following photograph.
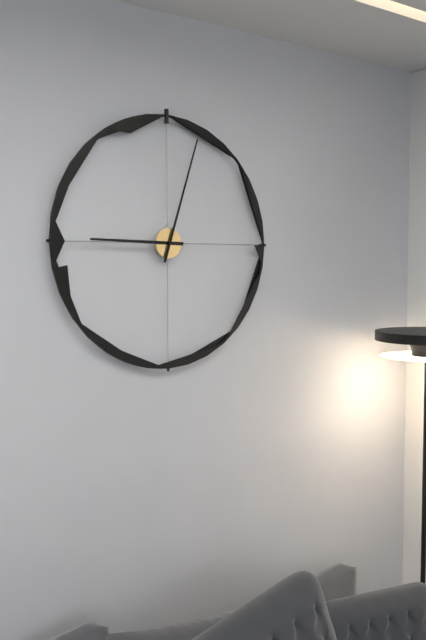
9:03
